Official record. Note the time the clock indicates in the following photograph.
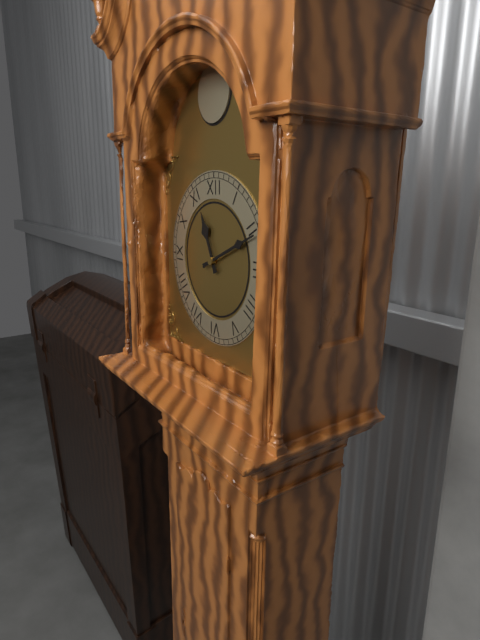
11:11
